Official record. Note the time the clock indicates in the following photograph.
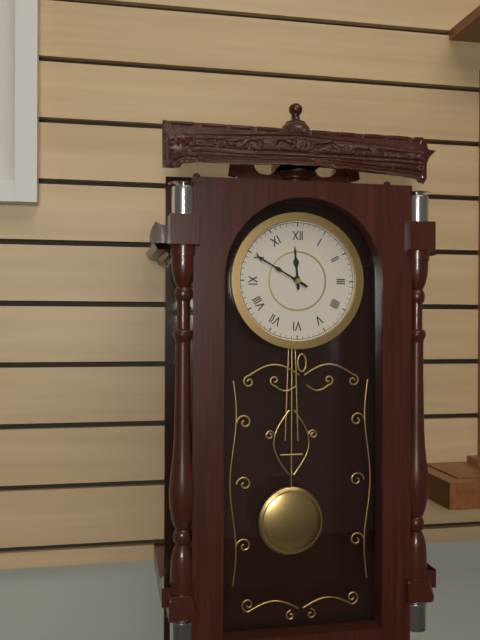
11:50
